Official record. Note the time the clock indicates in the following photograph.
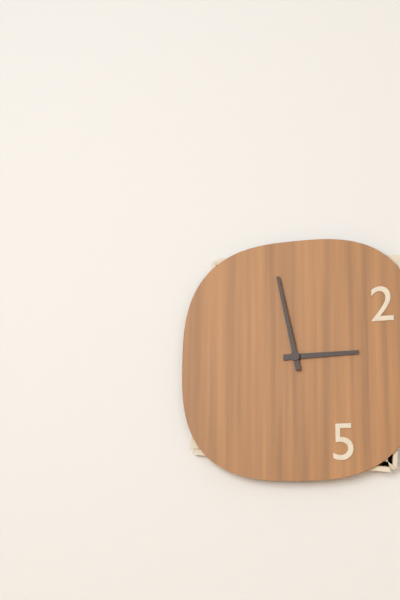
2:58
